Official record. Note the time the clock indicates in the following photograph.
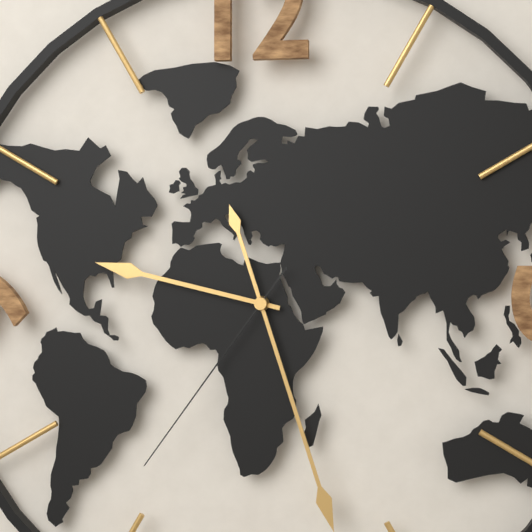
9:27:36
